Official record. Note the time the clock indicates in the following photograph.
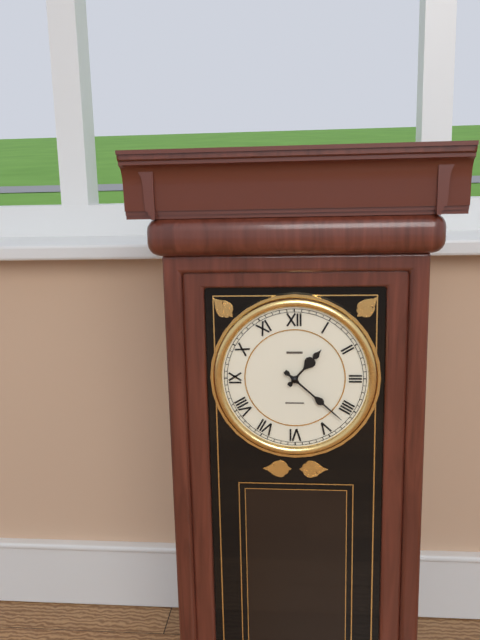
1:22
